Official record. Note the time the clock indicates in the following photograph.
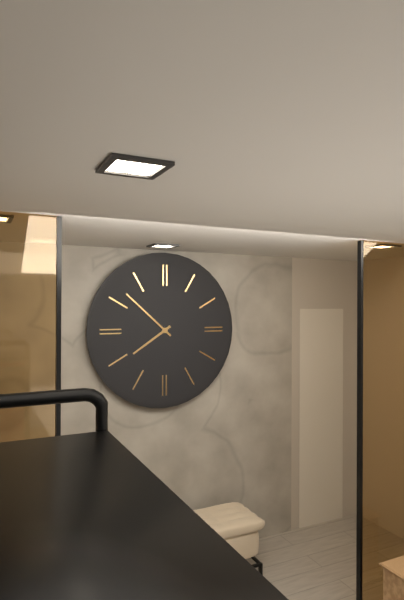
7:52
